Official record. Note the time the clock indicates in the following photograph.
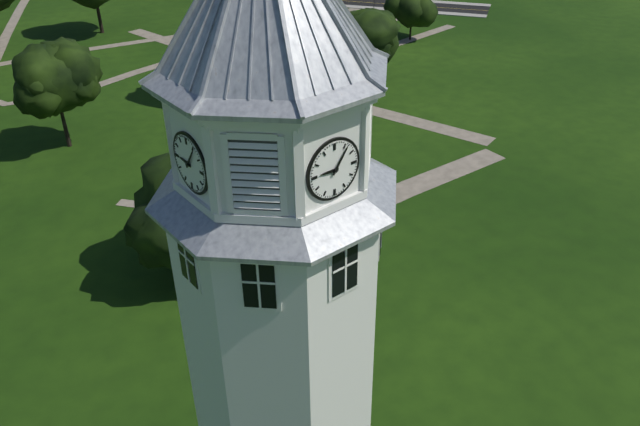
9:06
